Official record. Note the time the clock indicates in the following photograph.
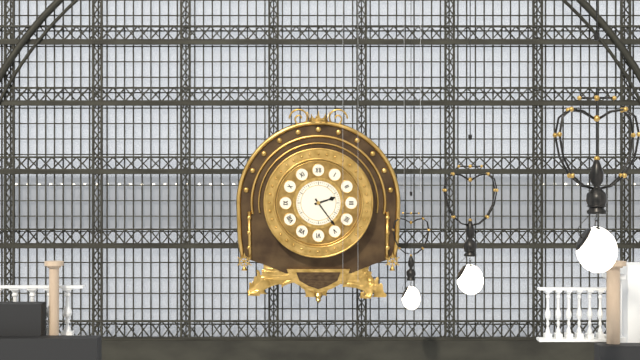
2:24
